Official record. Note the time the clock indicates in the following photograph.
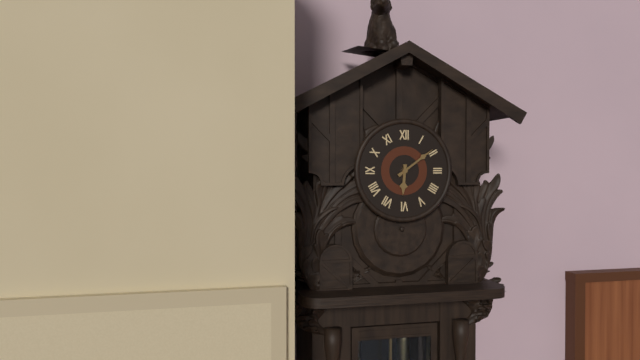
6:09
